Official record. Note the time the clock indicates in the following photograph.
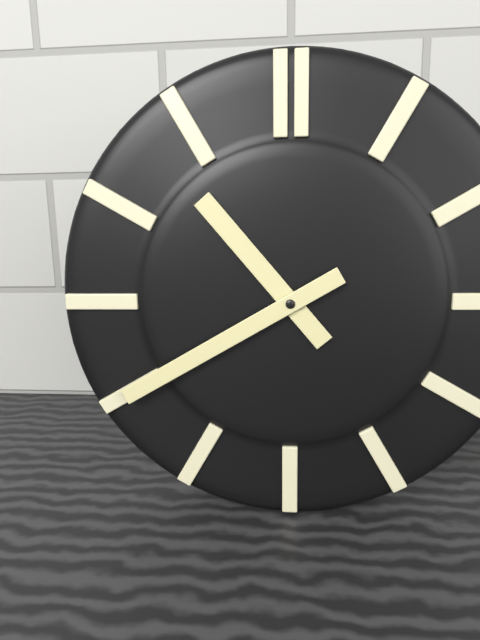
10:40
